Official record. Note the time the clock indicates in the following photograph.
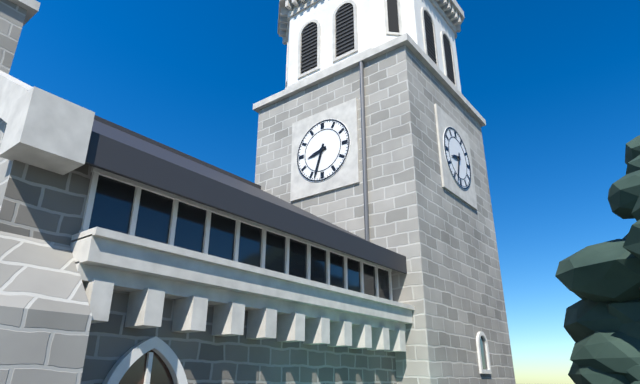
8:33
